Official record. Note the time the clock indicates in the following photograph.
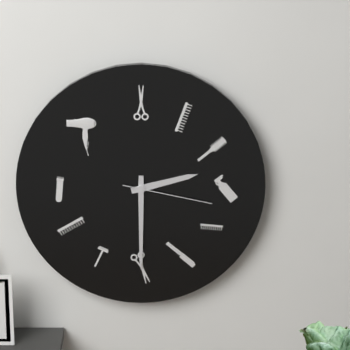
2:30:17
